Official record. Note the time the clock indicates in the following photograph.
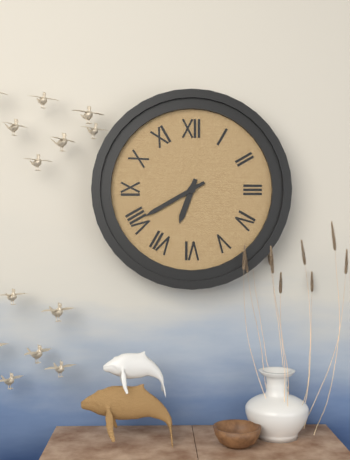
6:40
